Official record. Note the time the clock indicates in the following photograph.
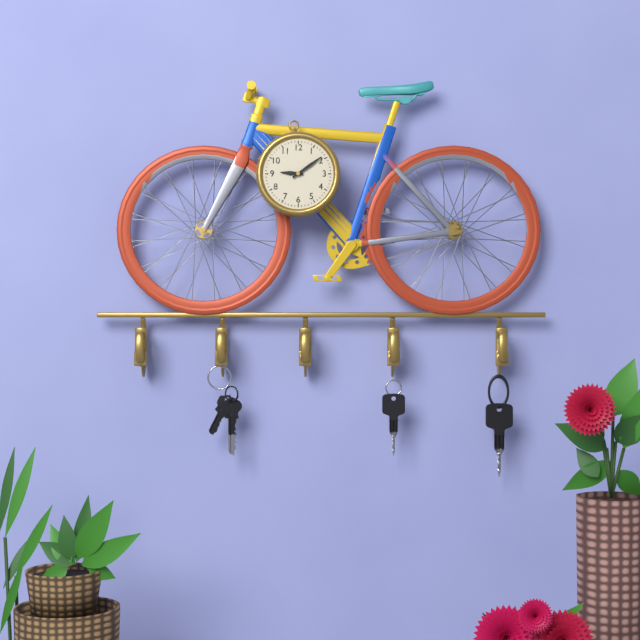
9:09
